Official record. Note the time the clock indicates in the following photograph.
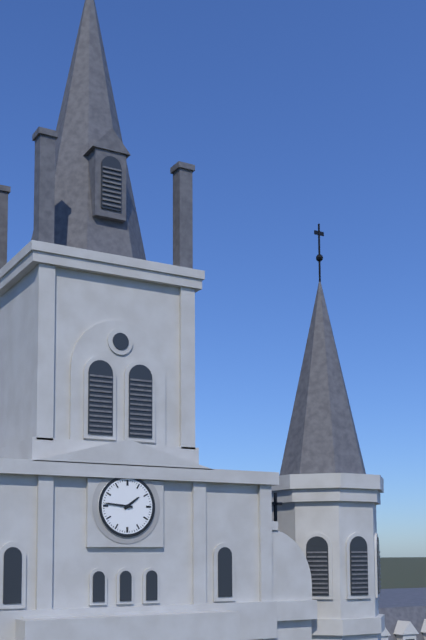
1:46
